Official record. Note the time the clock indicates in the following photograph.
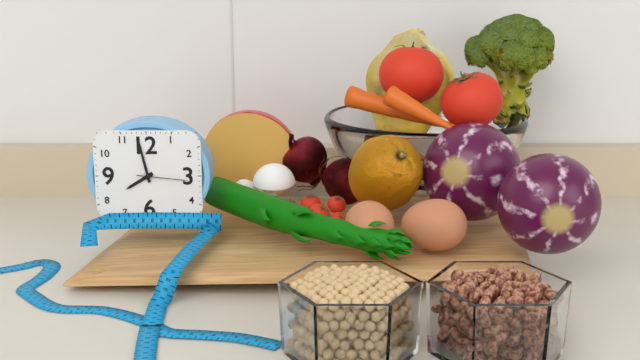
7:58:16
